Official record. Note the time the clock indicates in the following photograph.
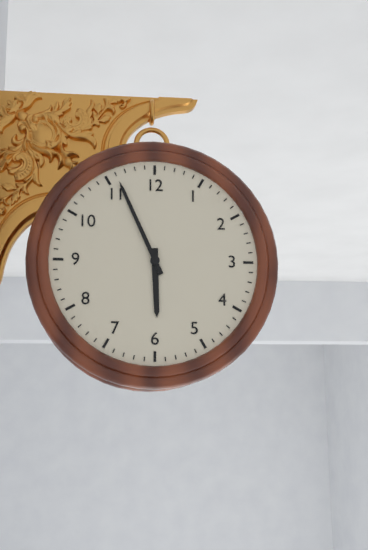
5:56
